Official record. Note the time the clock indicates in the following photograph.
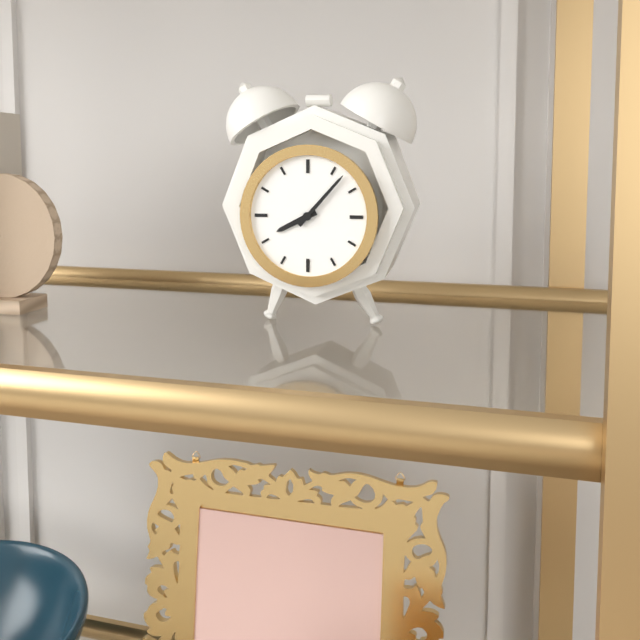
8:07
